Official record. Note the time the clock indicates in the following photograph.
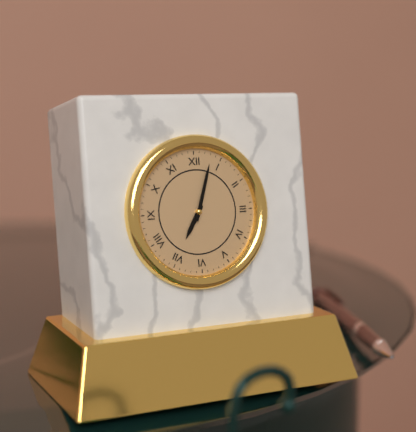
7:03
